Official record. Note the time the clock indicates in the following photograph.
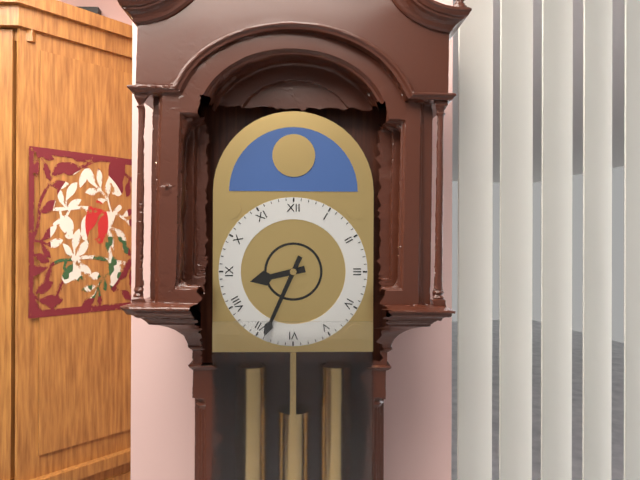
8:34
